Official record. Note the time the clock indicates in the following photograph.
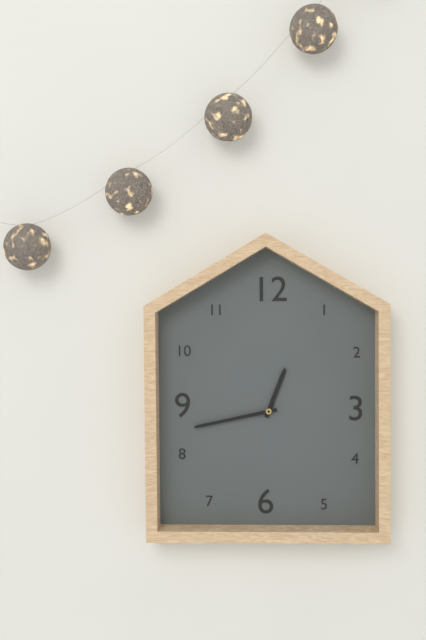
12:43
